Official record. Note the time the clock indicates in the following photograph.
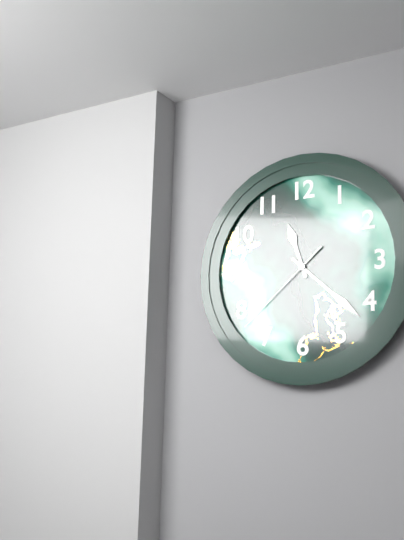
11:22:38
